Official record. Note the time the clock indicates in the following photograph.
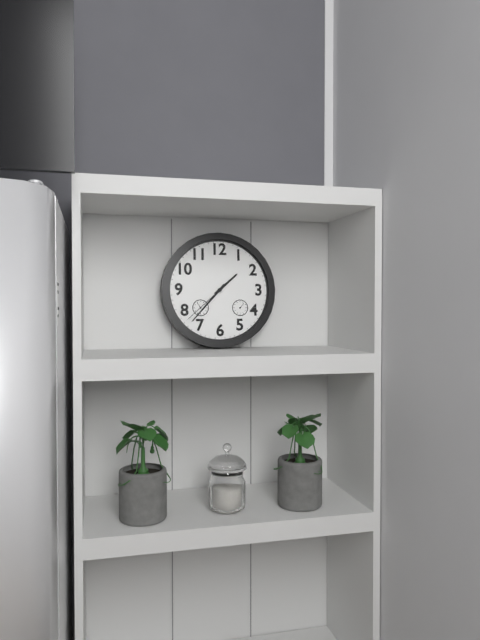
1:37:38
